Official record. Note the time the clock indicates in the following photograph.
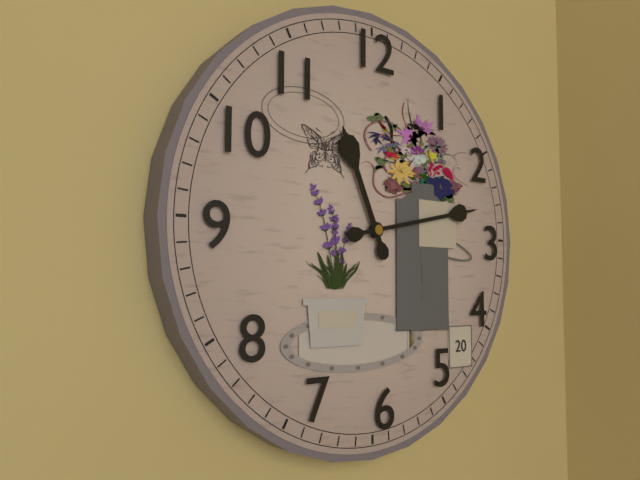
11:13
